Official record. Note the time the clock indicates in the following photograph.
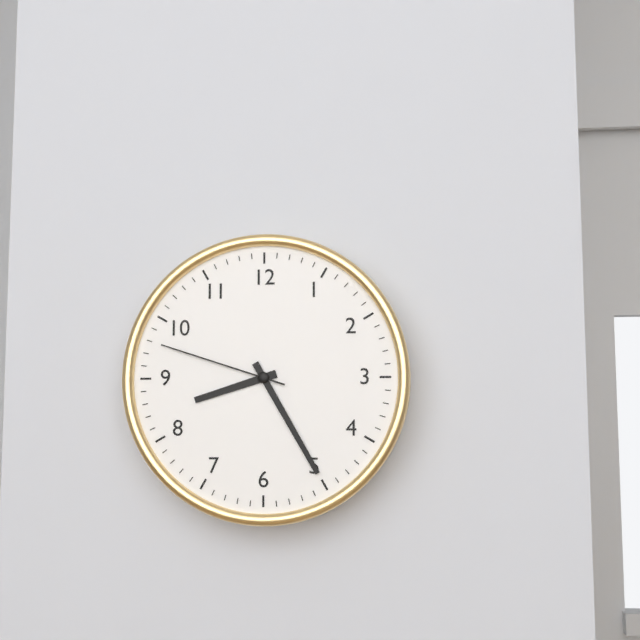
8:25:48
